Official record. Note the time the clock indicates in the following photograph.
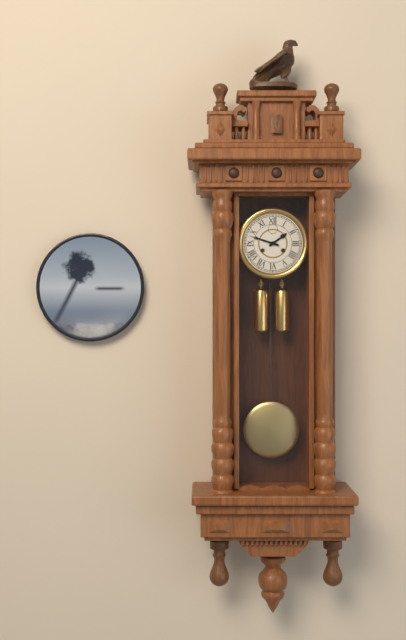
1:48
